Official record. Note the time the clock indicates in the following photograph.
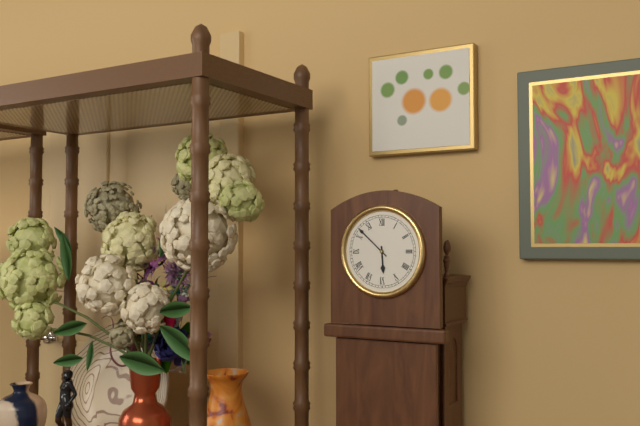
5:52
